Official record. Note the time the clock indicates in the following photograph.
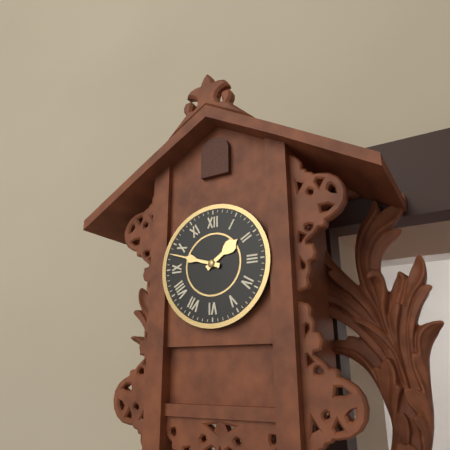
1:48
